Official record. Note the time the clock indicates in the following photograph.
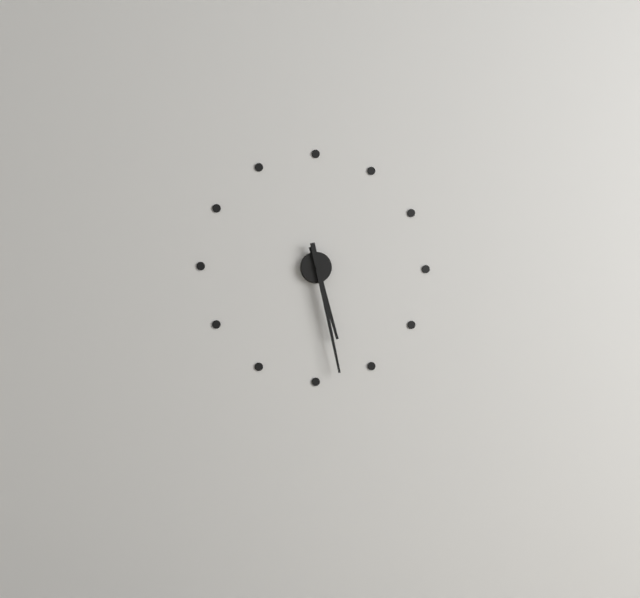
5:28
